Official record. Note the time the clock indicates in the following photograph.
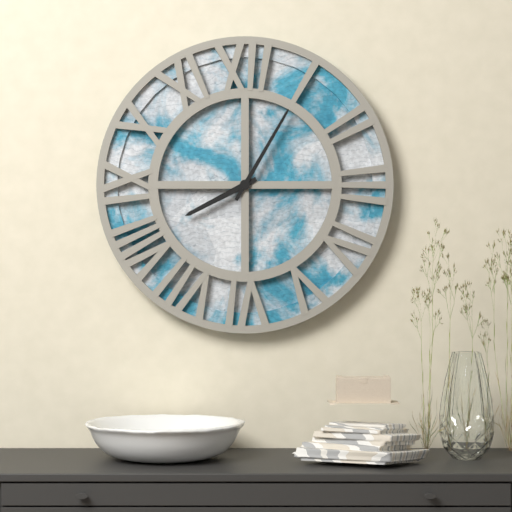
8:05
